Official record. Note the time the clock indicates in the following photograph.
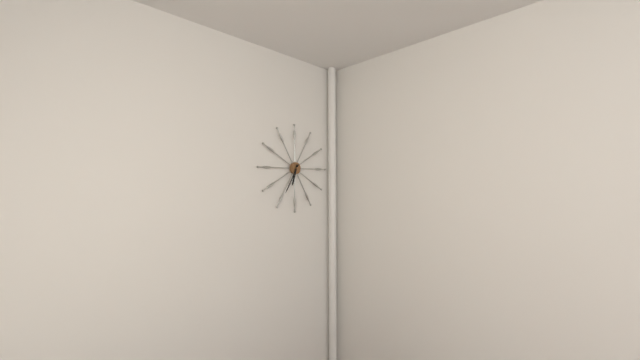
6:35
